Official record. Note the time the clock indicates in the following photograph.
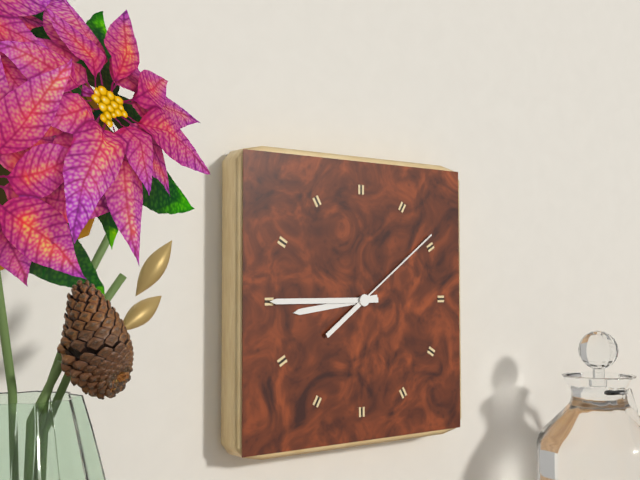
8:45:09
